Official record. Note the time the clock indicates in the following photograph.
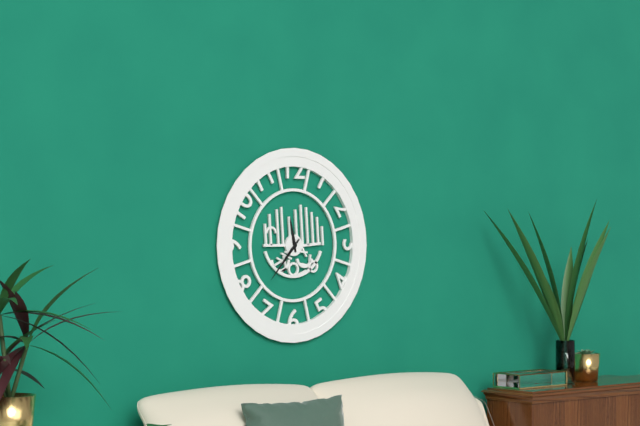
11:37
